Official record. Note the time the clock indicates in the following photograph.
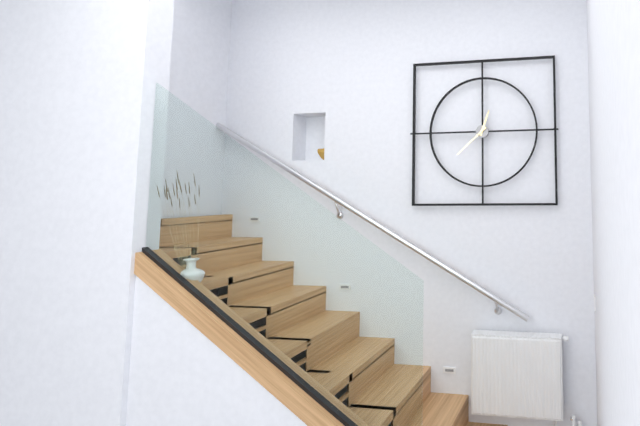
12:38
